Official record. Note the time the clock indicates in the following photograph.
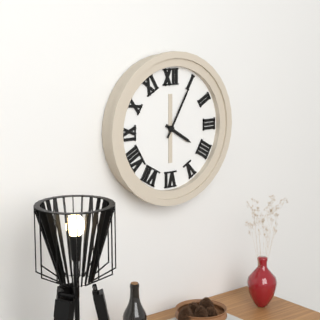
4:05
